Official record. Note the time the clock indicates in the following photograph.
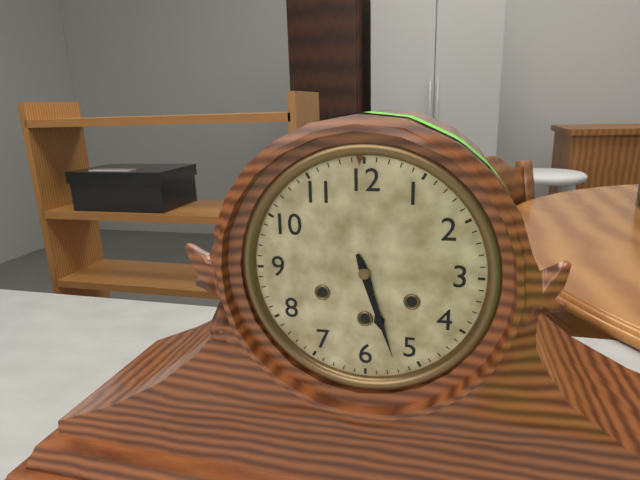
5:27
